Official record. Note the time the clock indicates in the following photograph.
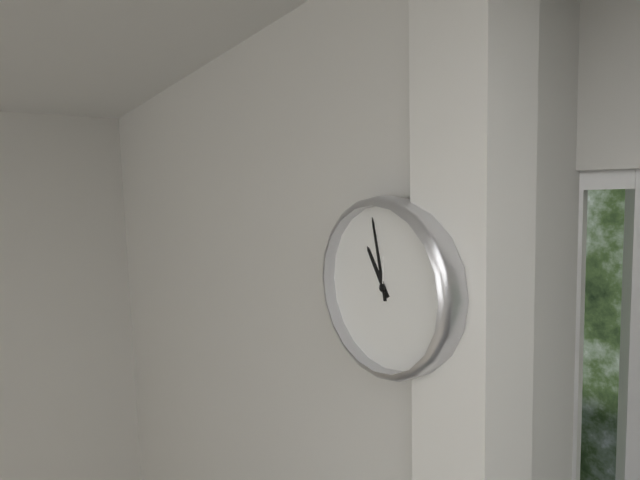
10:58
